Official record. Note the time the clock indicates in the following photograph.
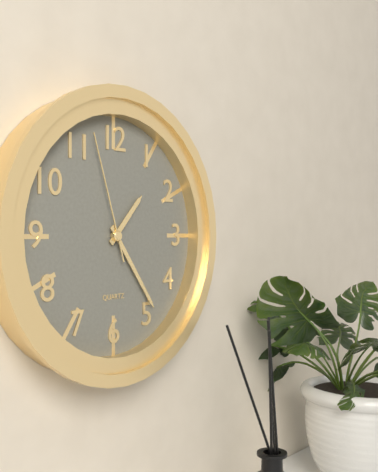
1:24:57
